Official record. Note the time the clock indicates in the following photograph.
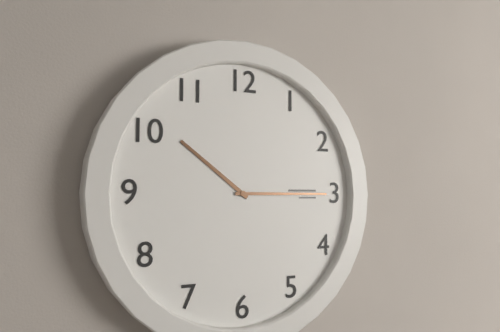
10:15
